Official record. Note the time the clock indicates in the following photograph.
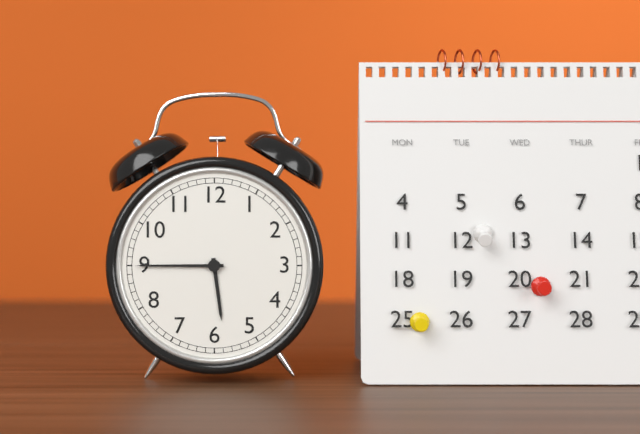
5:45
